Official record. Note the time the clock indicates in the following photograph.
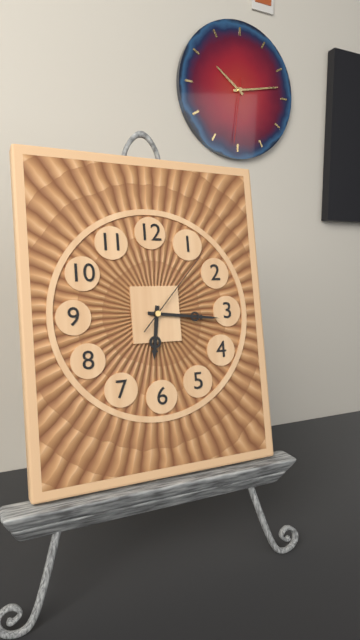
6:16:07
